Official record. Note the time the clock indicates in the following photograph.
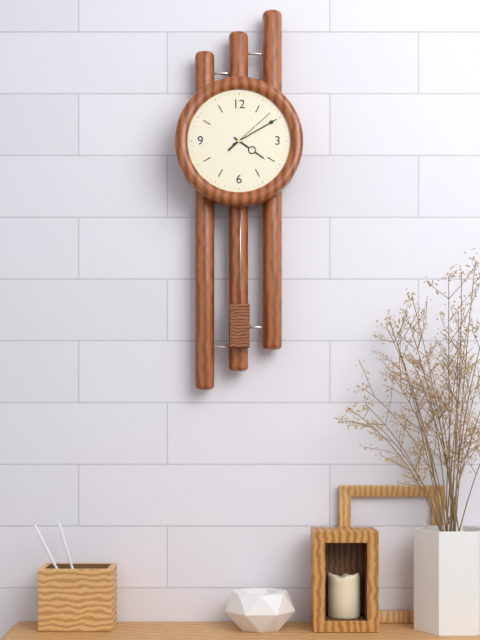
4:10:08
